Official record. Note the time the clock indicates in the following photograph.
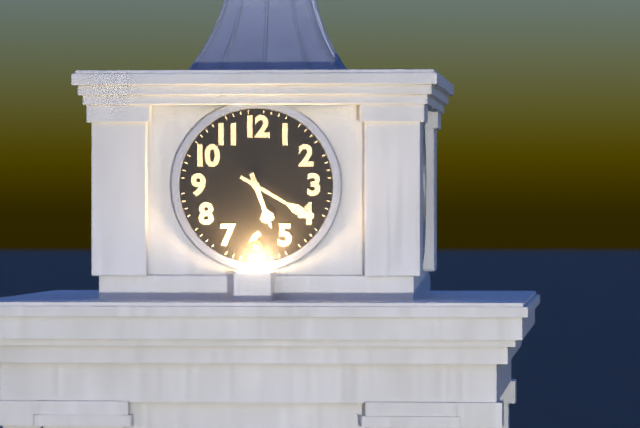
5:20
